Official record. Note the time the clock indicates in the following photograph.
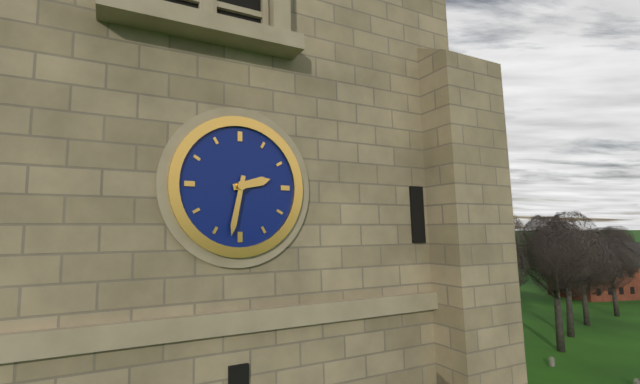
2:32
